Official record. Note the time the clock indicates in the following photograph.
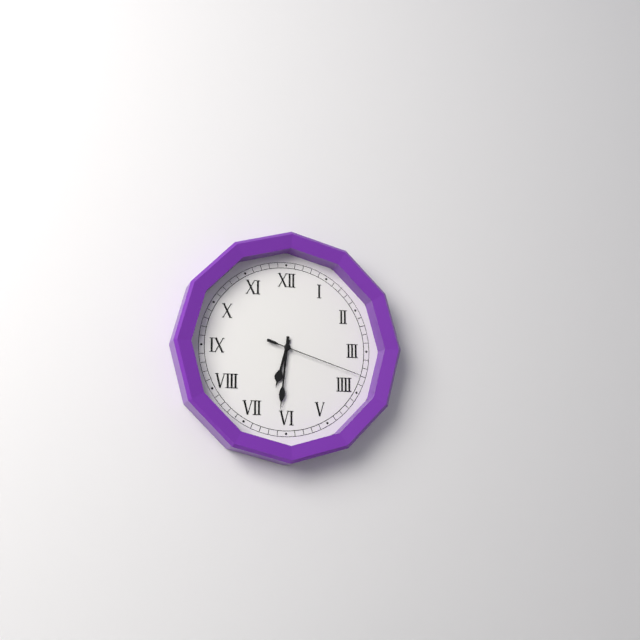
6:31:18
